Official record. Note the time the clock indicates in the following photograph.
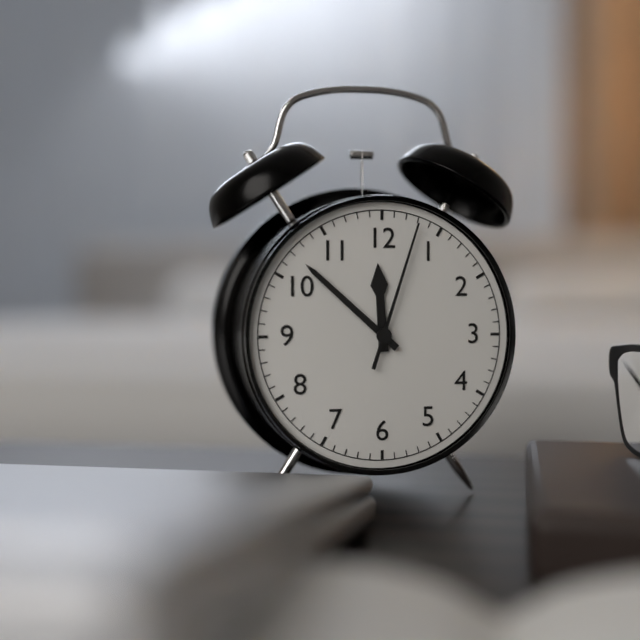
11:52:03
